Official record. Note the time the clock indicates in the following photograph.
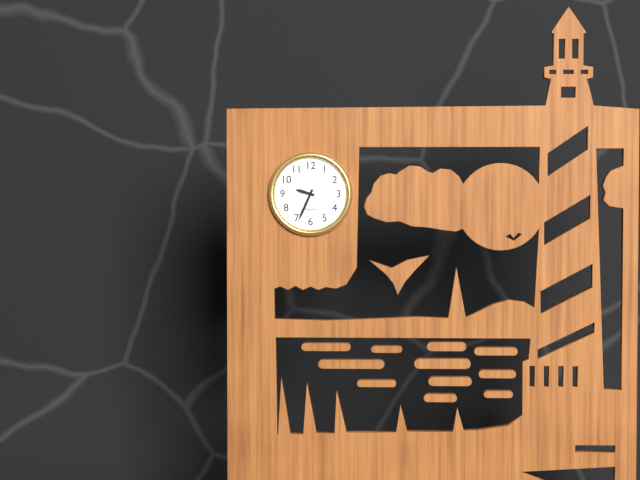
9:34
